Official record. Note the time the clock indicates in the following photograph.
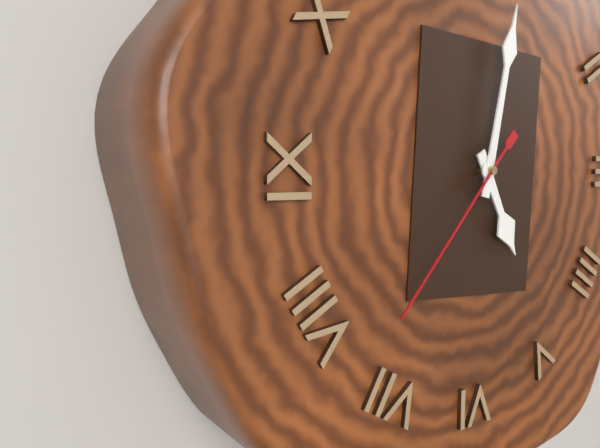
5:02:37
